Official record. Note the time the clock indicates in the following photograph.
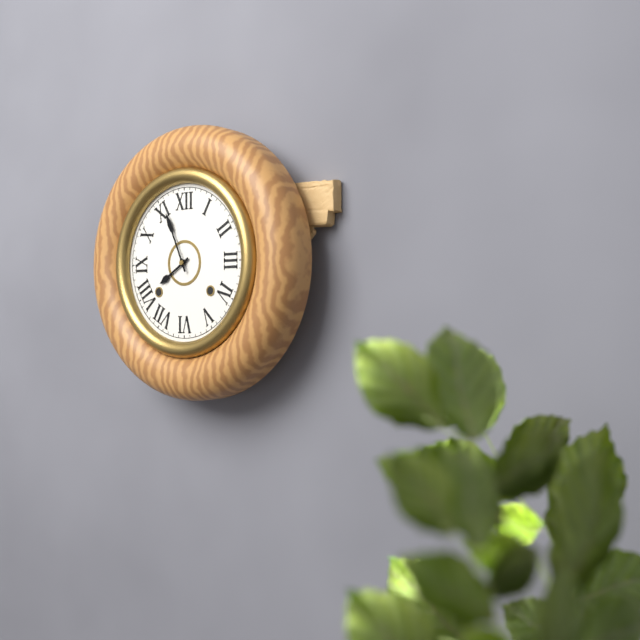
7:56
